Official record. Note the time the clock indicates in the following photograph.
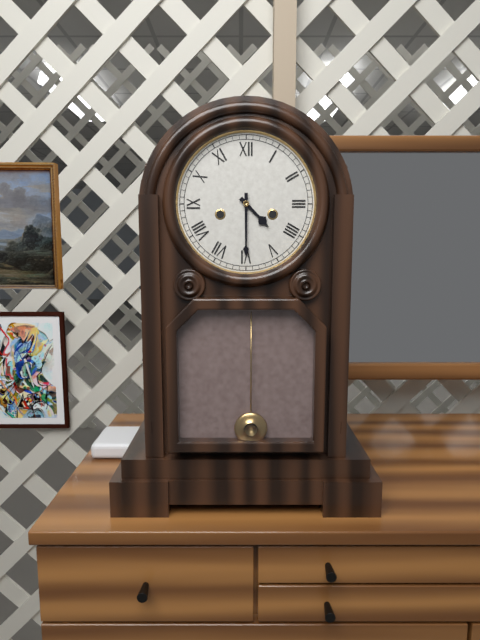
4:30
